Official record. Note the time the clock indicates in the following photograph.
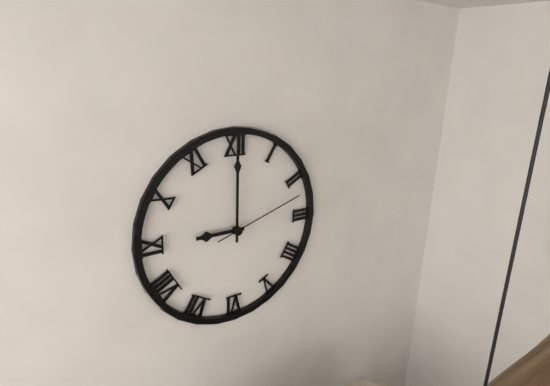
9:00:12
